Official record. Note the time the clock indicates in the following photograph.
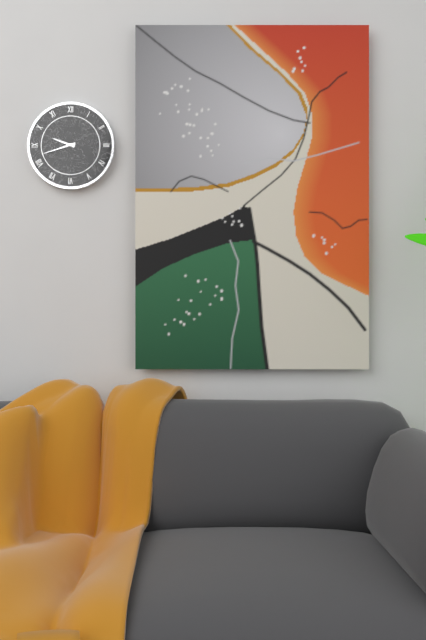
9:42
